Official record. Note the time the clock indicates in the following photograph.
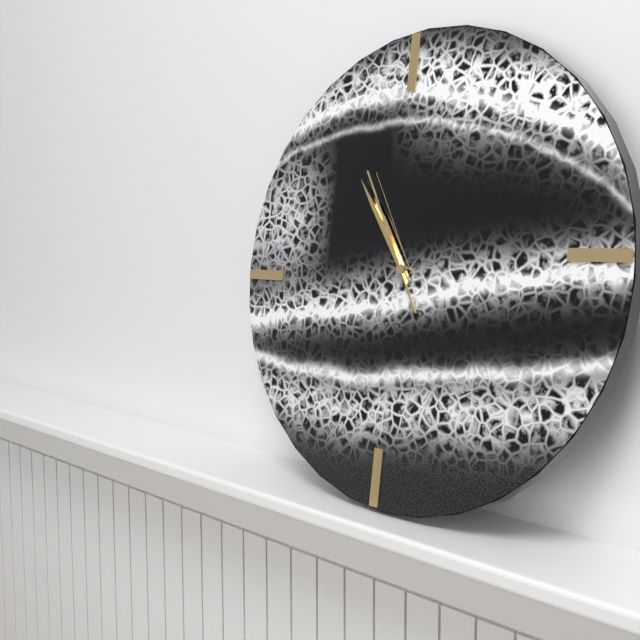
10:54:55
